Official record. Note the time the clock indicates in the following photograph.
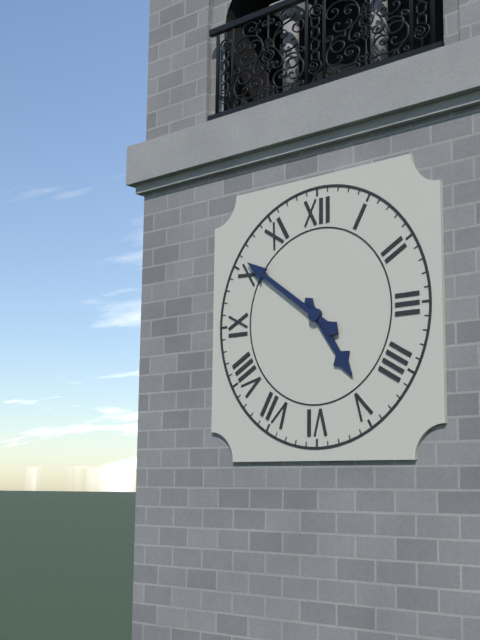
4:51
